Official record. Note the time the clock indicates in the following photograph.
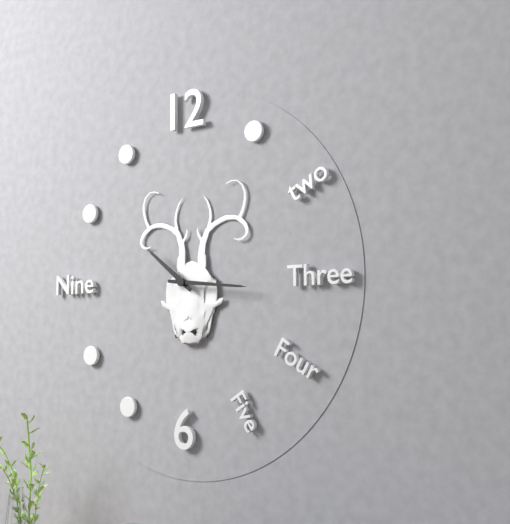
10:16
